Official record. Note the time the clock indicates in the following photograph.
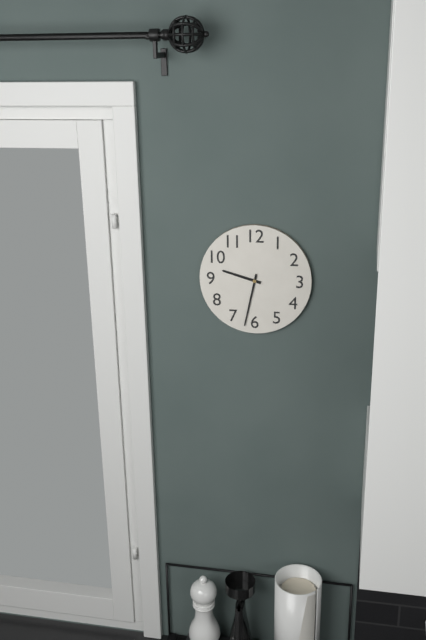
9:32
